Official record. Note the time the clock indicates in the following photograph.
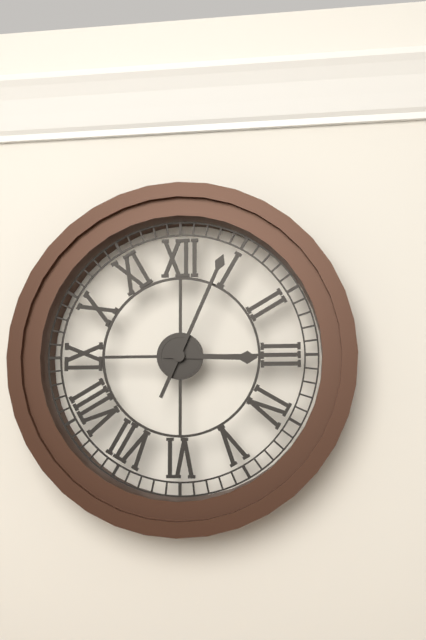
3:04
